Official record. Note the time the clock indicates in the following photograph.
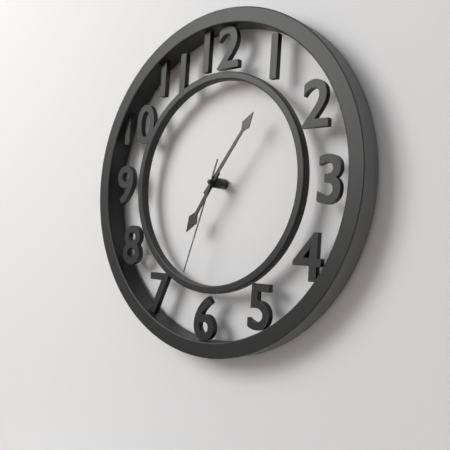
7:06:33
